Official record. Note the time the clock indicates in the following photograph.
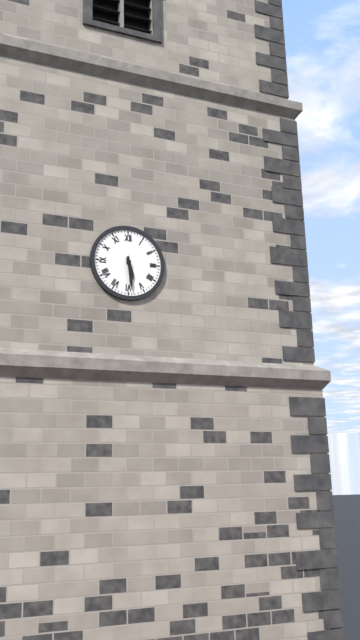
5:29
